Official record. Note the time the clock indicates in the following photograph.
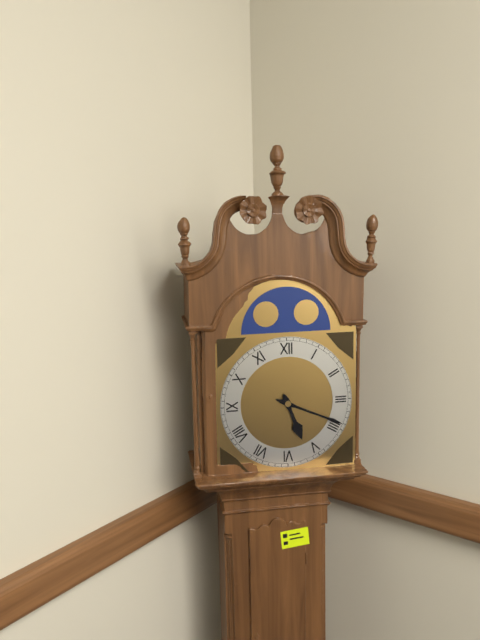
5:19
